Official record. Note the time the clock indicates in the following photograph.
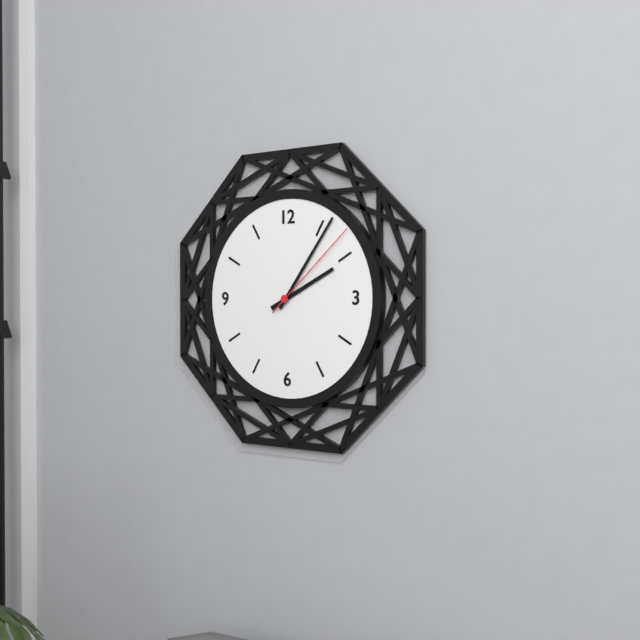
2:06:08
